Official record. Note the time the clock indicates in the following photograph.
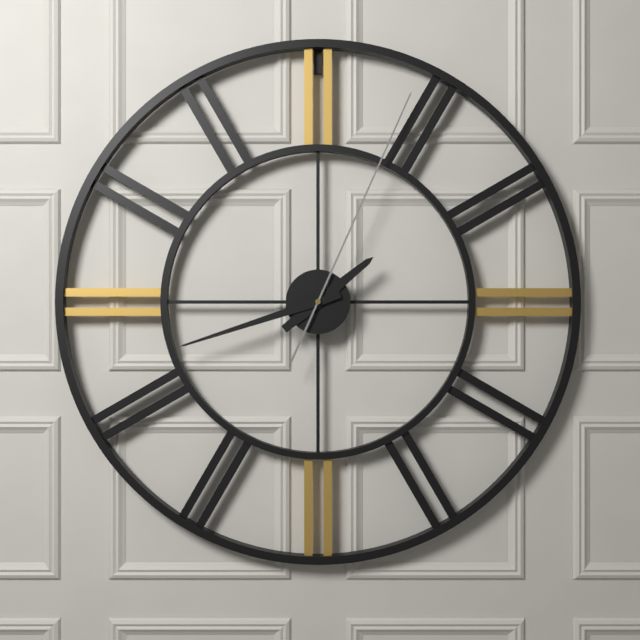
1:42:04
